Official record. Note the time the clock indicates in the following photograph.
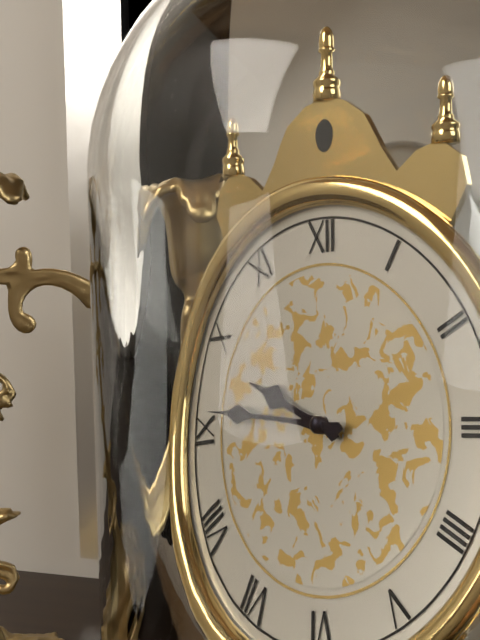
9:46
